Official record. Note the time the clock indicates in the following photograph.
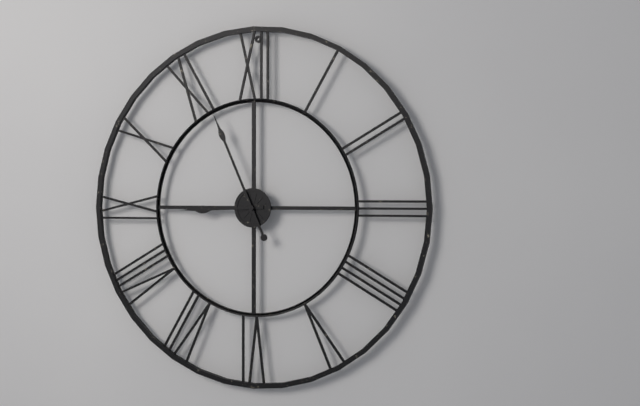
8:56
